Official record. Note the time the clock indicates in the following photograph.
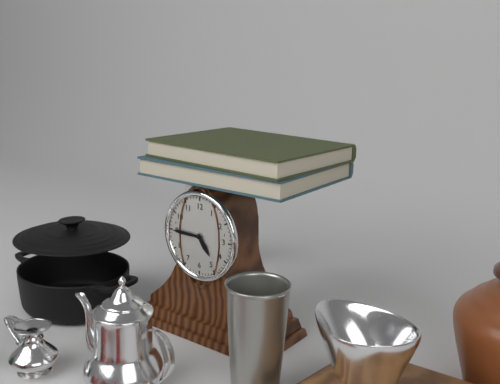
4:45
